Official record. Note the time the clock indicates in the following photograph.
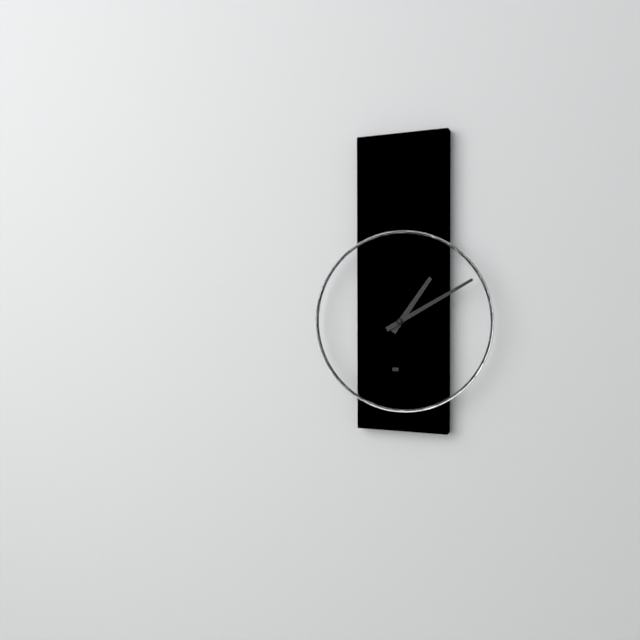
1:10
